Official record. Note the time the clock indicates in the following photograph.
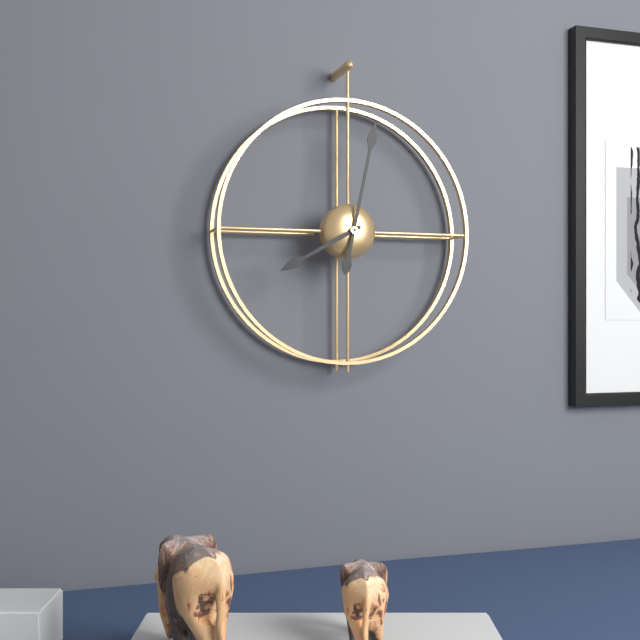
8:02
